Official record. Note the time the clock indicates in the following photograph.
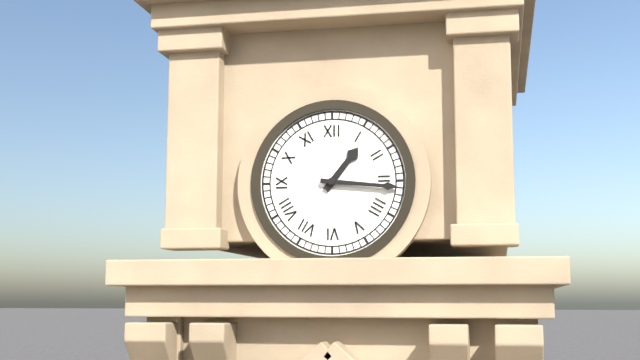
1:16
